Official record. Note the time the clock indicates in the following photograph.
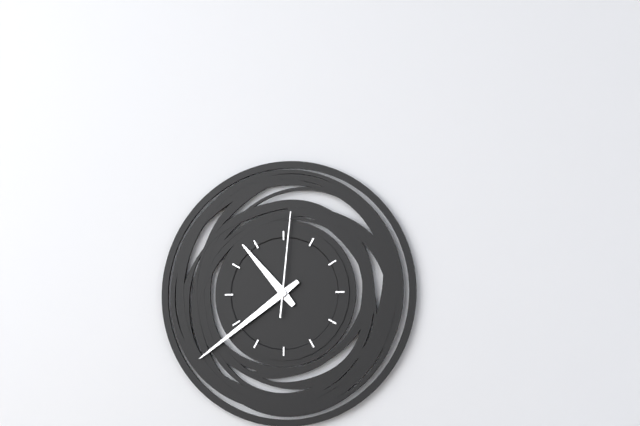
10:39:01
